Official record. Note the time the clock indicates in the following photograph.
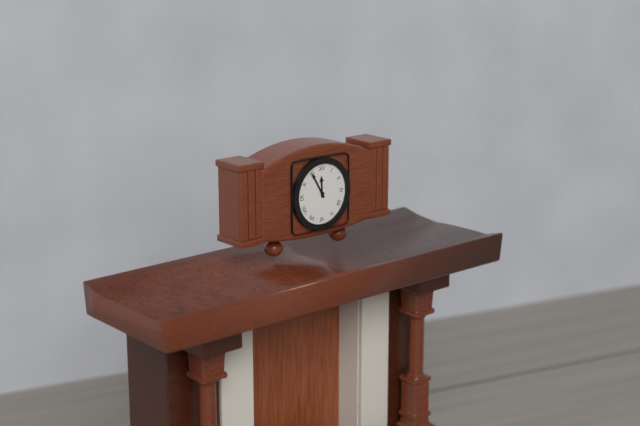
11:55
